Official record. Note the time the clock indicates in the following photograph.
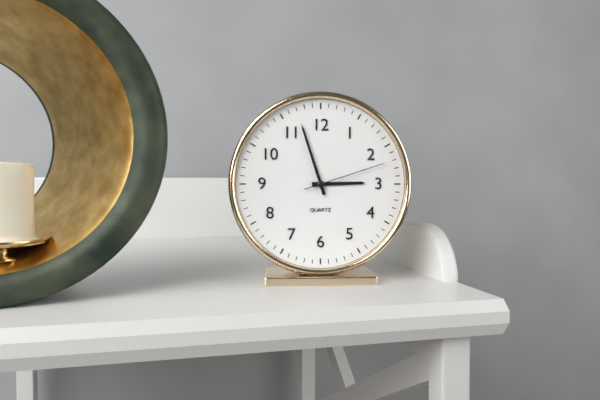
2:57:12
